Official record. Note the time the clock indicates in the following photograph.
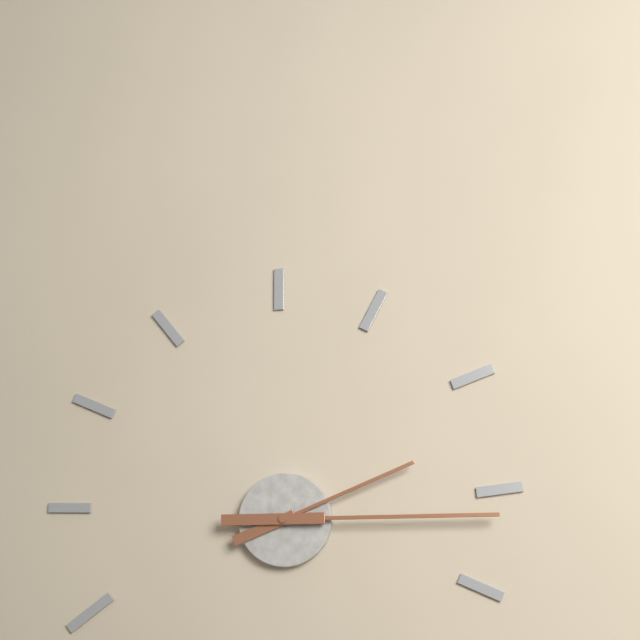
2:15
